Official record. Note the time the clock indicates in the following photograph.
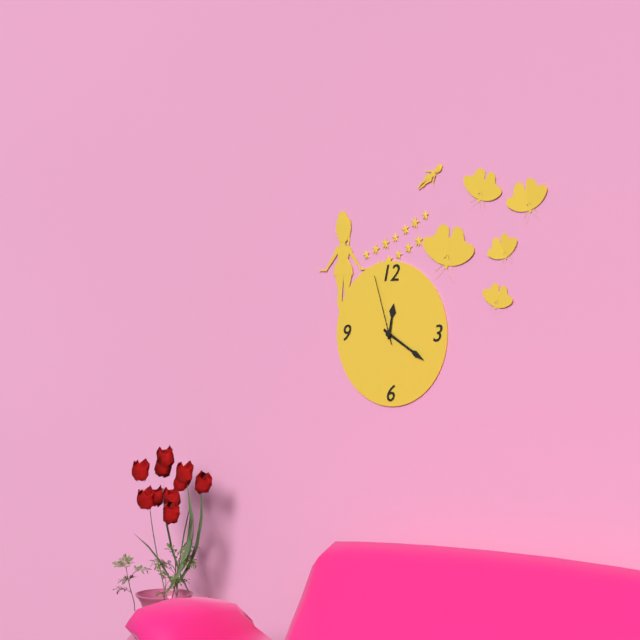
12:20:57
